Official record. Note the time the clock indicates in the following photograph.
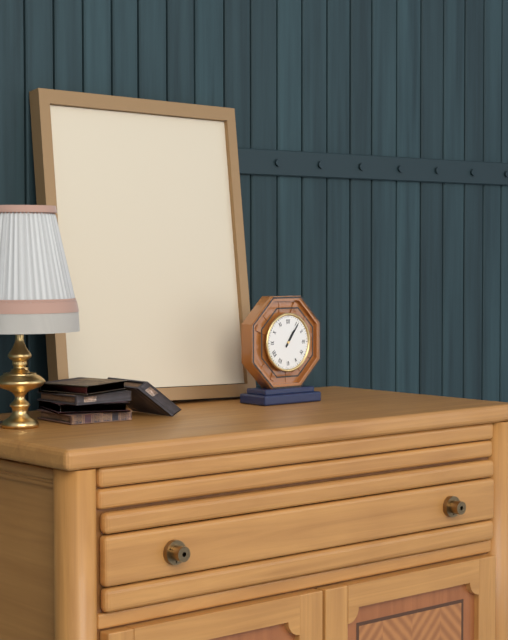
1:06
